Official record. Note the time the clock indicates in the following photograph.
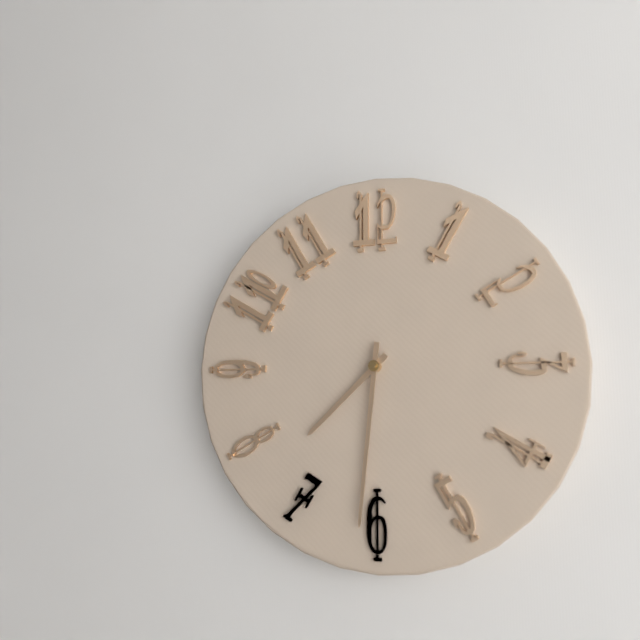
7:31
